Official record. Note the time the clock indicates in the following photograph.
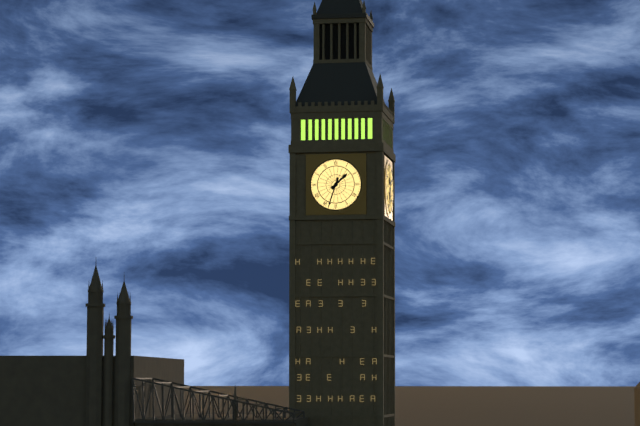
1:33
